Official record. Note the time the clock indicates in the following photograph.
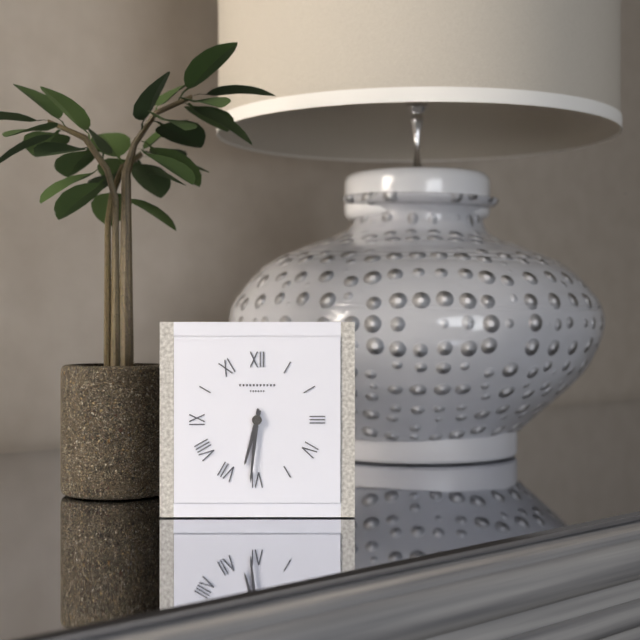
6:31
